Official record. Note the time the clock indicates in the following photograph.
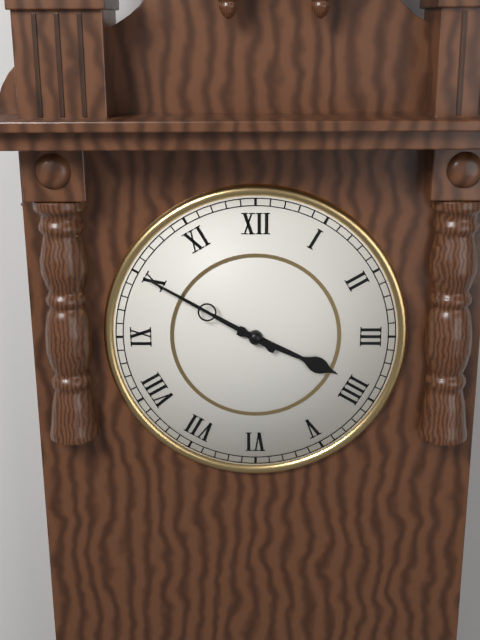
3:50
